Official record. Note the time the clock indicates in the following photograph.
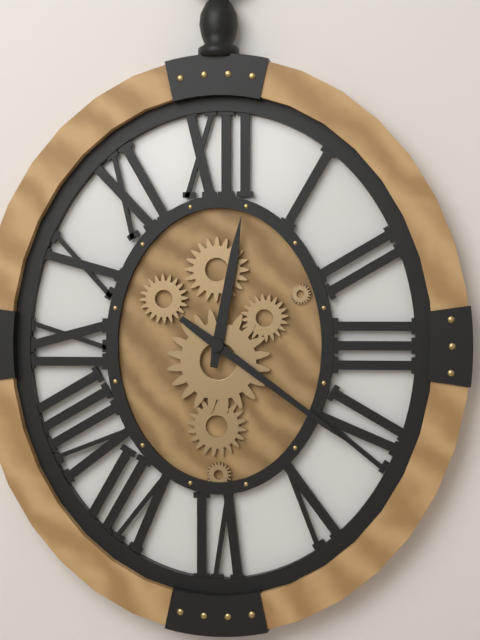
12:21
